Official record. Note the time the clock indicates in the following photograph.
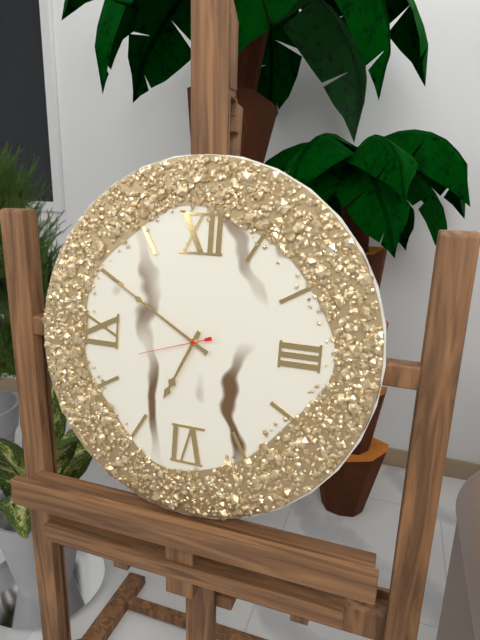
6:50:42
